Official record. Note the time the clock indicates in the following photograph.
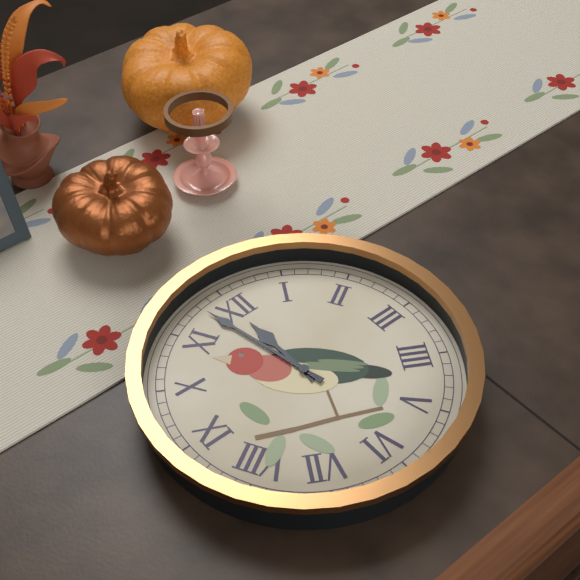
11:58
